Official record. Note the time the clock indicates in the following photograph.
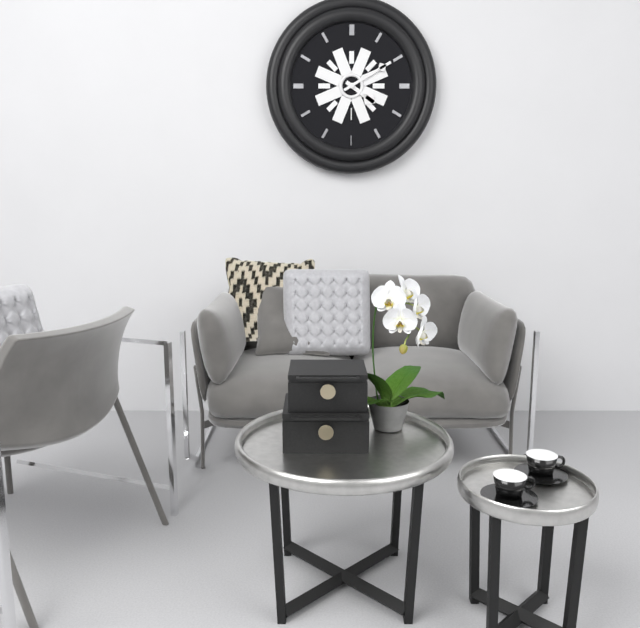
4:10
